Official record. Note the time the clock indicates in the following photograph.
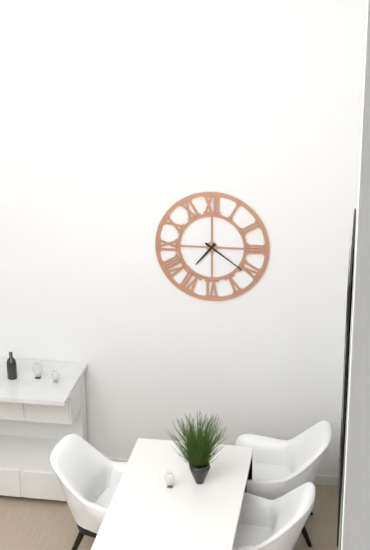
7:21
